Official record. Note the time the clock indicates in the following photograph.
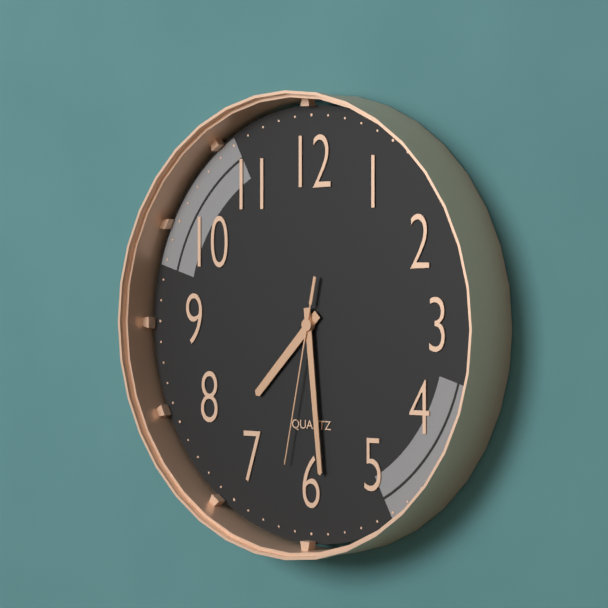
7:29:32
